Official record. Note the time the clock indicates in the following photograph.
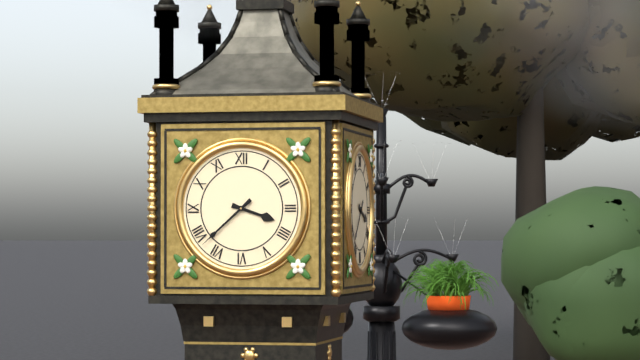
3:38
